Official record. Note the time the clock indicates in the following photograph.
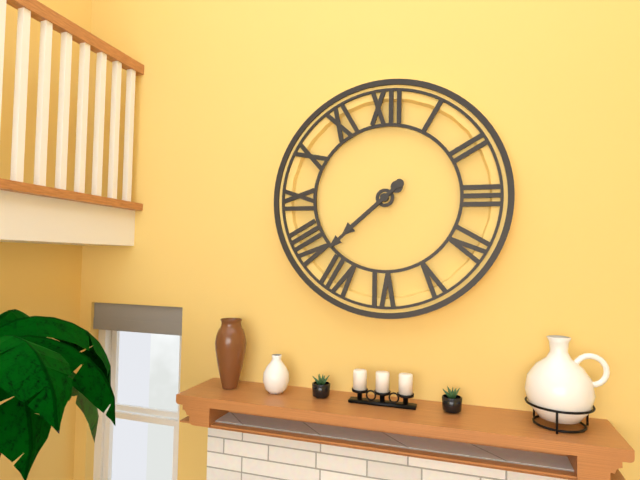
7:38
